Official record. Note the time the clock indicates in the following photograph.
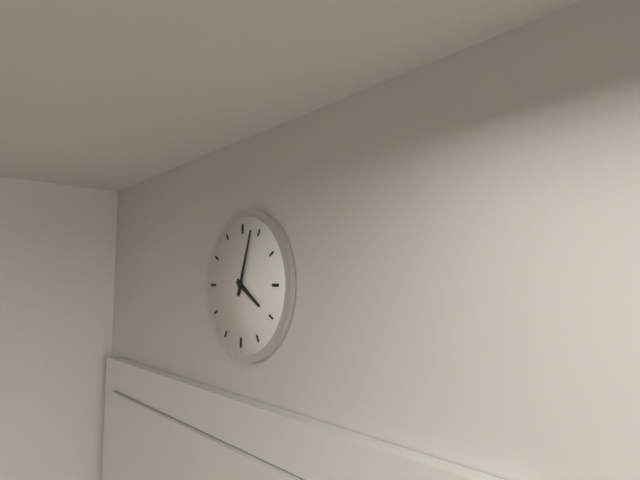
4:03
